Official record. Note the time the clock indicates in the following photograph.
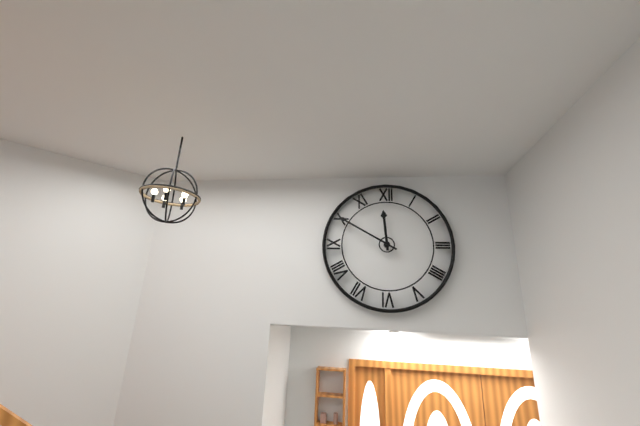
11:50
